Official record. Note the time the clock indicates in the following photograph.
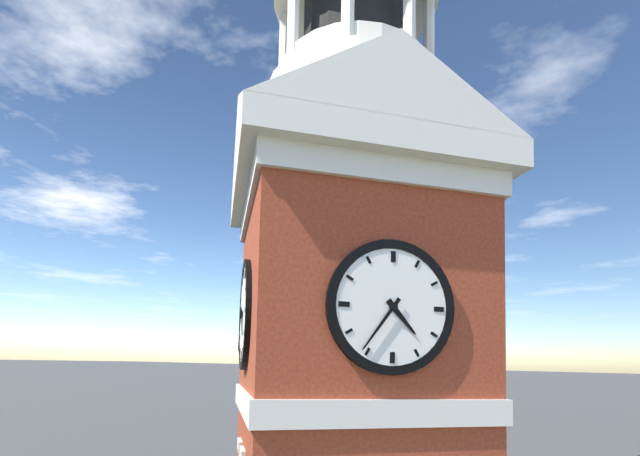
4:36
